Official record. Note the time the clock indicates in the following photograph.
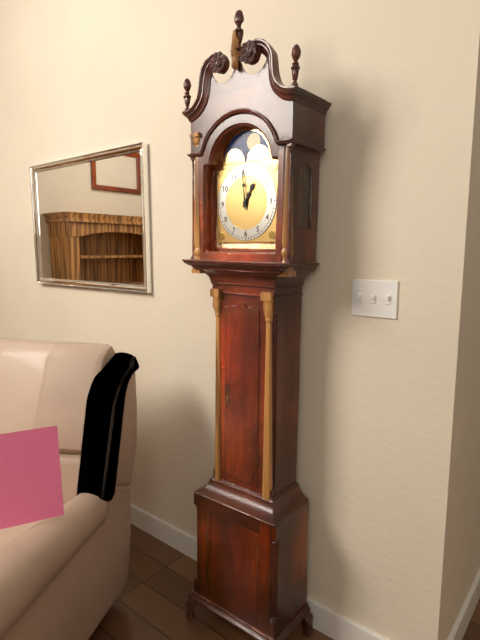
12:59
